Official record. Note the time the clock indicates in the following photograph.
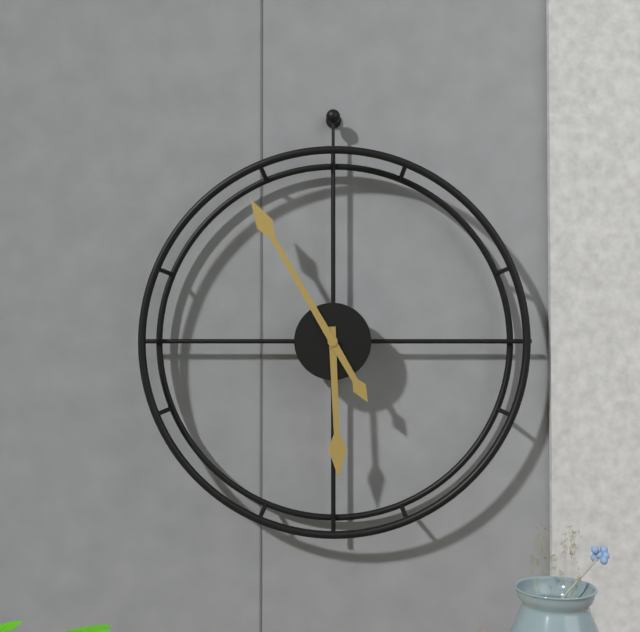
5:55
